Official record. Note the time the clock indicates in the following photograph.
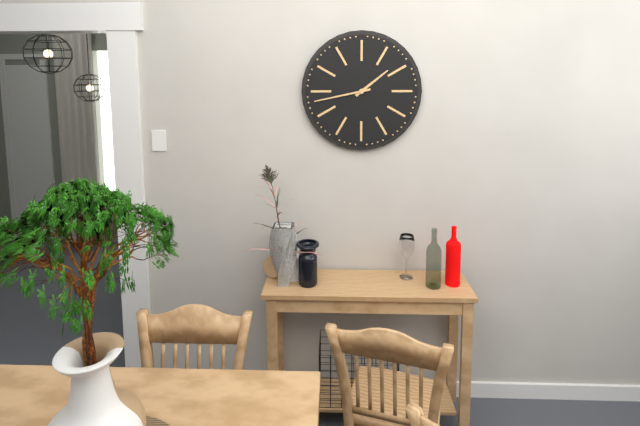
1:43
